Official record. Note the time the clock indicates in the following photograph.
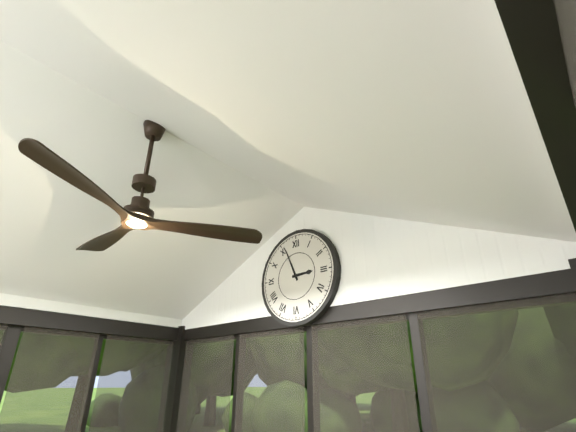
2:56
